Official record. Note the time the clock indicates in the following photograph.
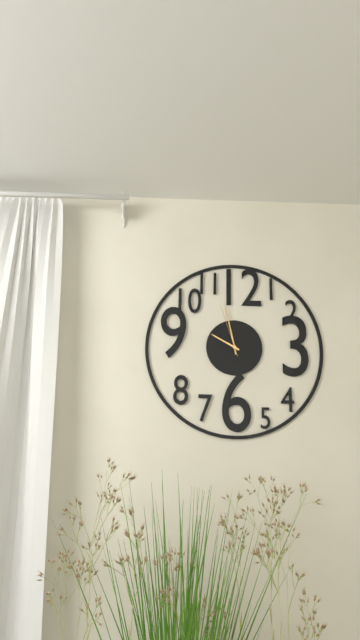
9:58:57
